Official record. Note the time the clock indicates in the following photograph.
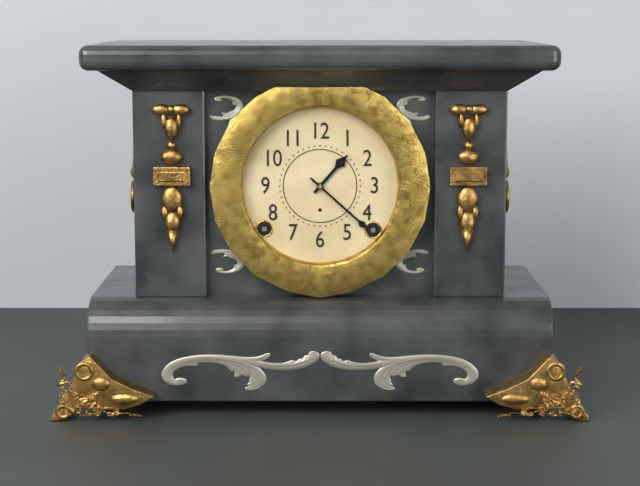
1:22
